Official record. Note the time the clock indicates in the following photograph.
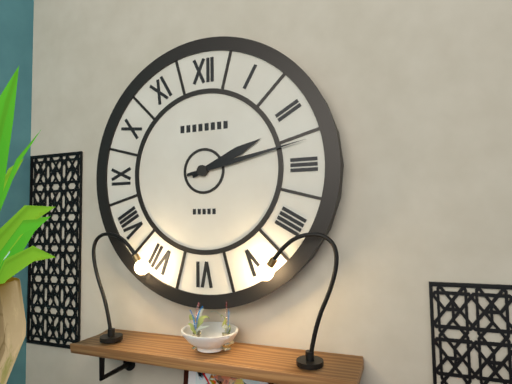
2:13
